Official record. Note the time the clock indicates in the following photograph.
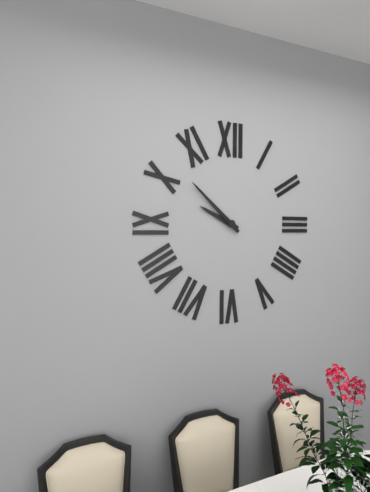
9:52
